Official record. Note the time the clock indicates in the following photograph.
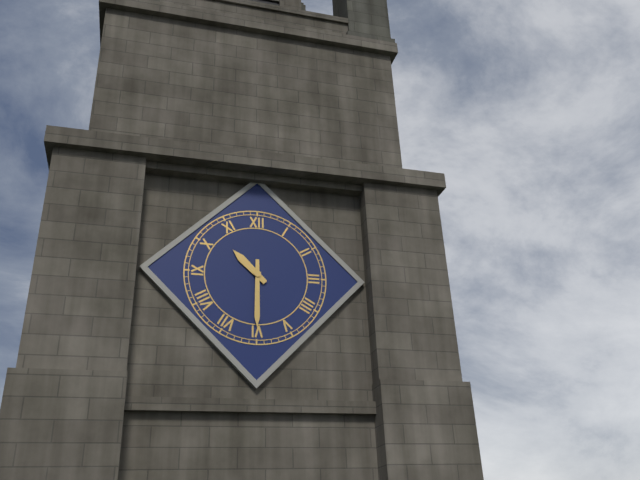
10:30
